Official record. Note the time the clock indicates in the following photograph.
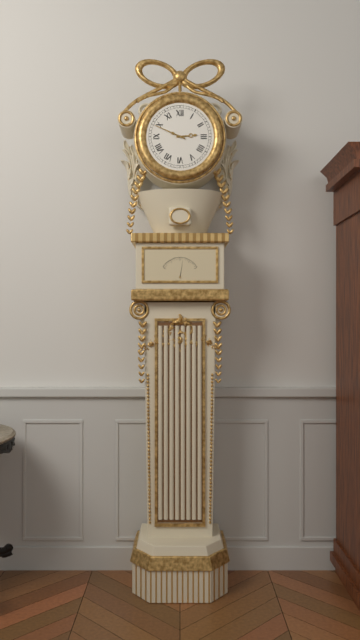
2:49
